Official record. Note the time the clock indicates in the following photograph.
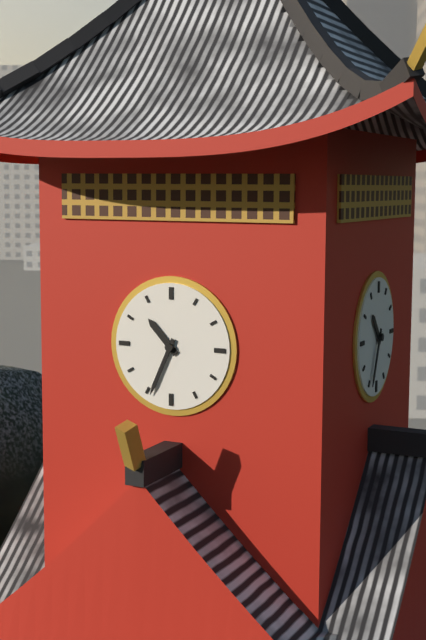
10:34
